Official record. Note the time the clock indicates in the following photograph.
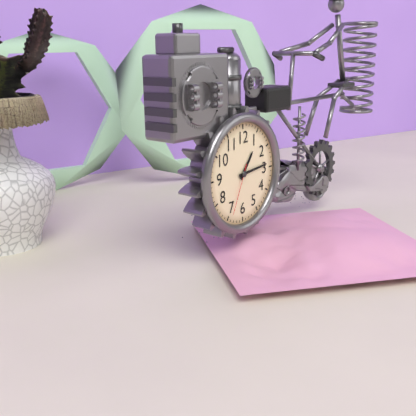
1:14:34
